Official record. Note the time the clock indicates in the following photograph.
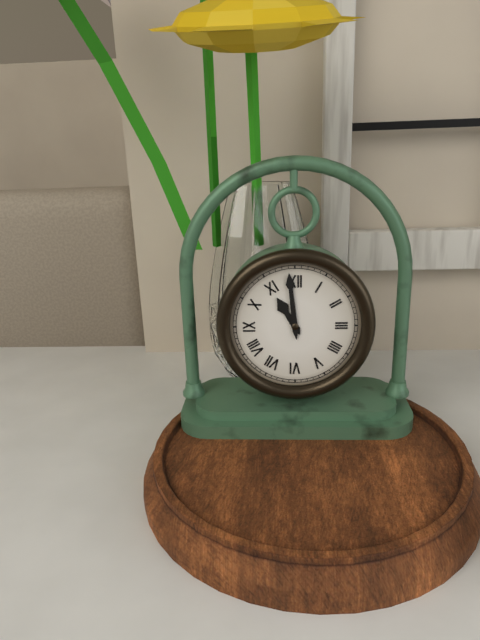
10:59
